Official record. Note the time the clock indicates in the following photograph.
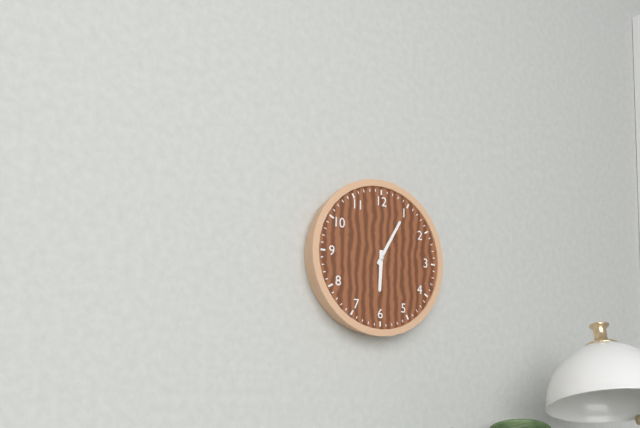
6:05
